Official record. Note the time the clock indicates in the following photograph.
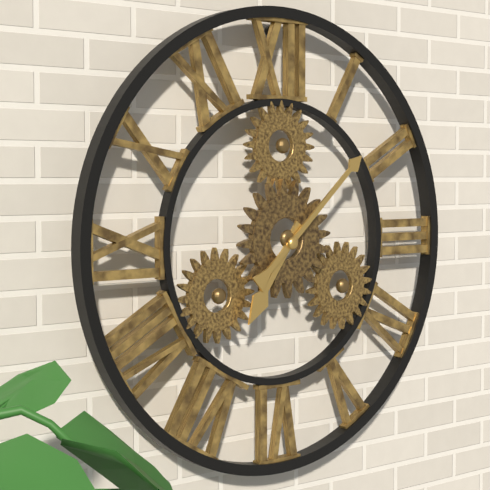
7:08
